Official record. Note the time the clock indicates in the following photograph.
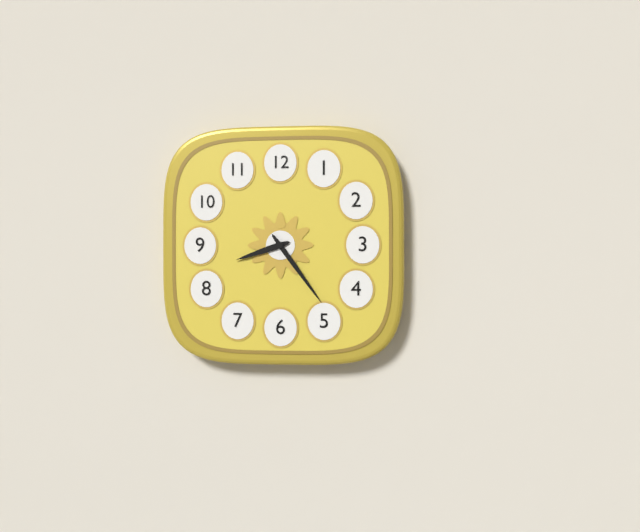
8:24
